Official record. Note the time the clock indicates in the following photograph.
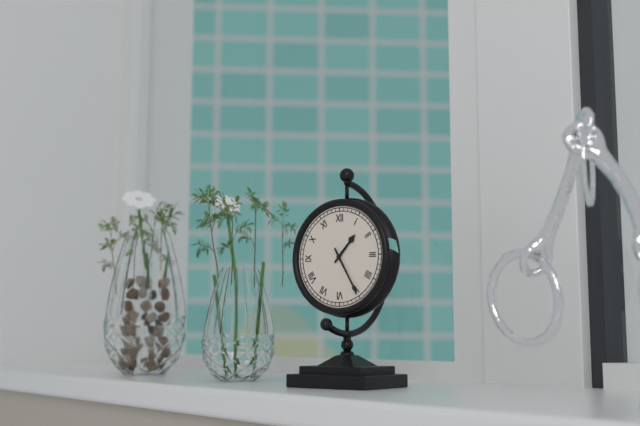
1:25
